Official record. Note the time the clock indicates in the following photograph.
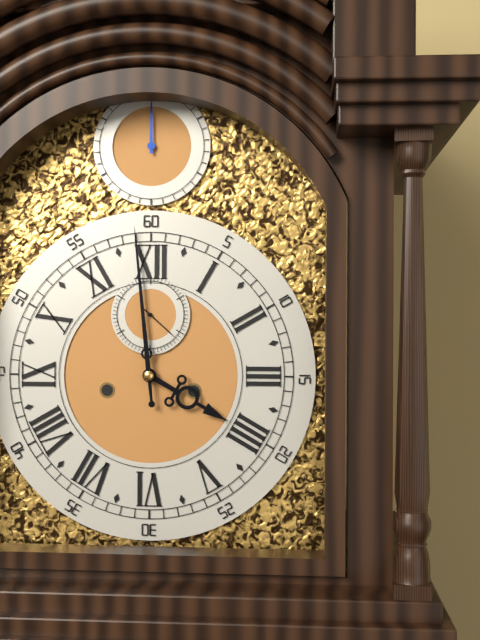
3:59
